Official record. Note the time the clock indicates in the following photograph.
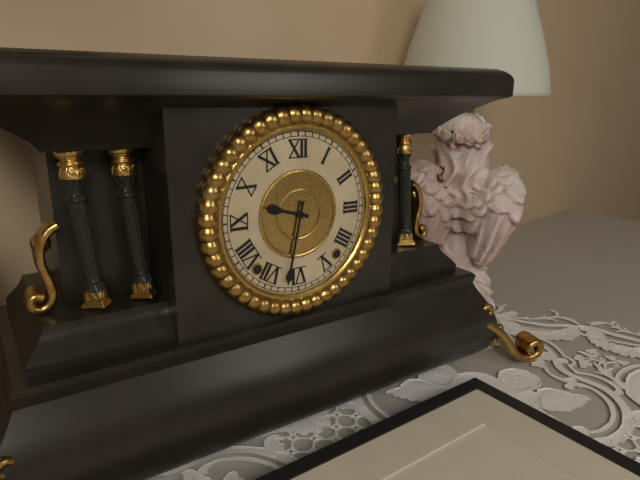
9:32
